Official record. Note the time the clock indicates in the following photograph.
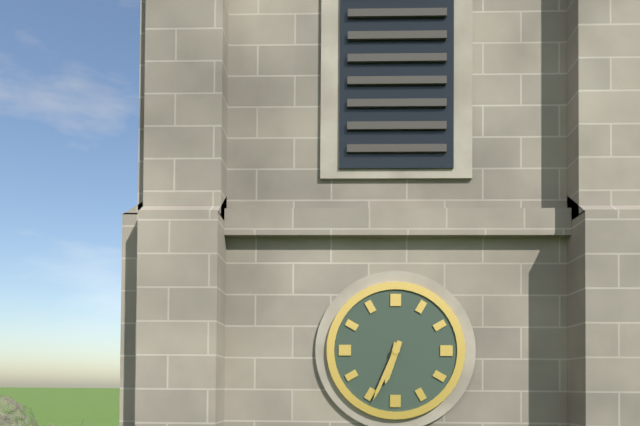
6:34
